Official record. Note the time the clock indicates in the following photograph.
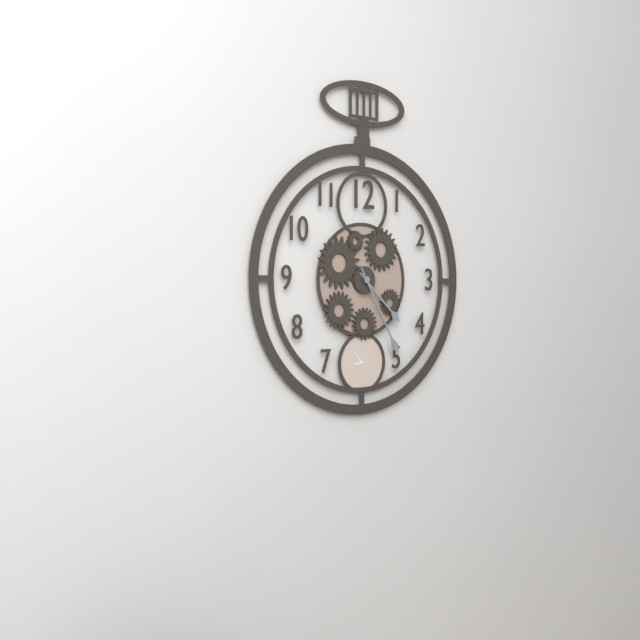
4:25
